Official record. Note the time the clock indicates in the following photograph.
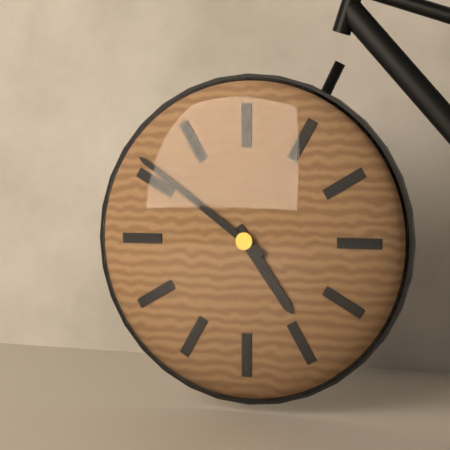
4:51
